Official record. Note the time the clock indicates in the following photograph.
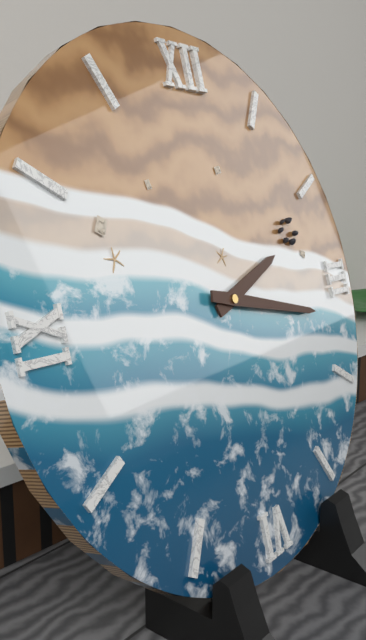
2:17
